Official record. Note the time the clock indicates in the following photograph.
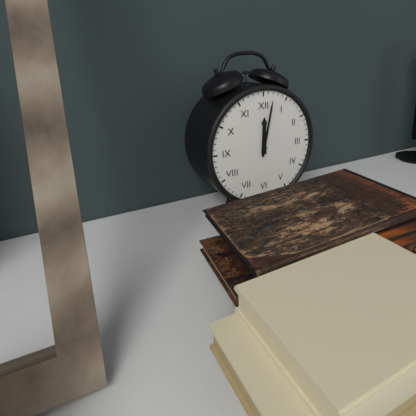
12:02
